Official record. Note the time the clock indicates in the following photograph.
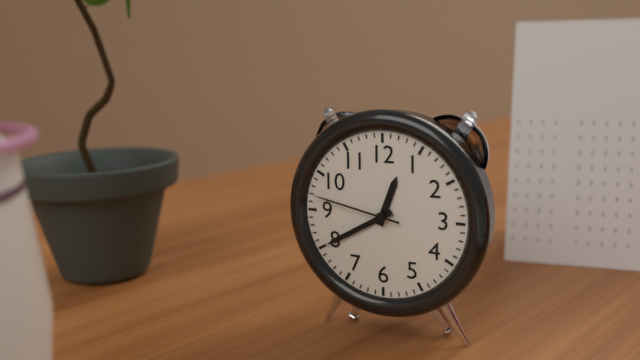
12:40:47
